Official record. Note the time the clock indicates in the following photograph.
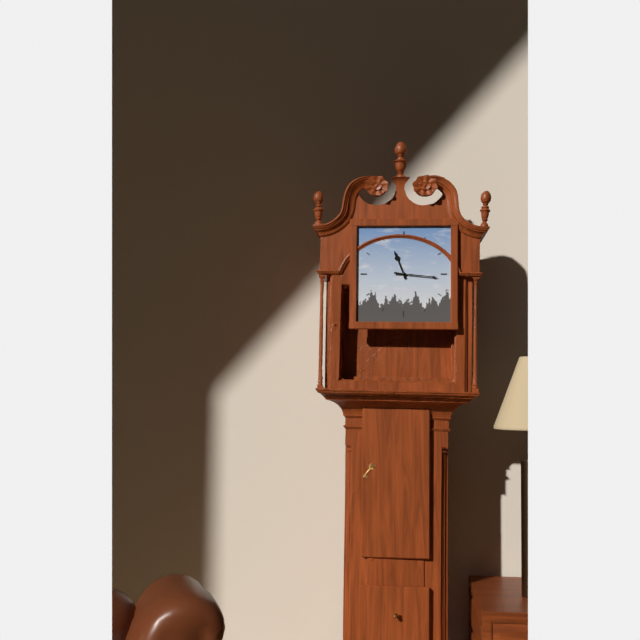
11:16
